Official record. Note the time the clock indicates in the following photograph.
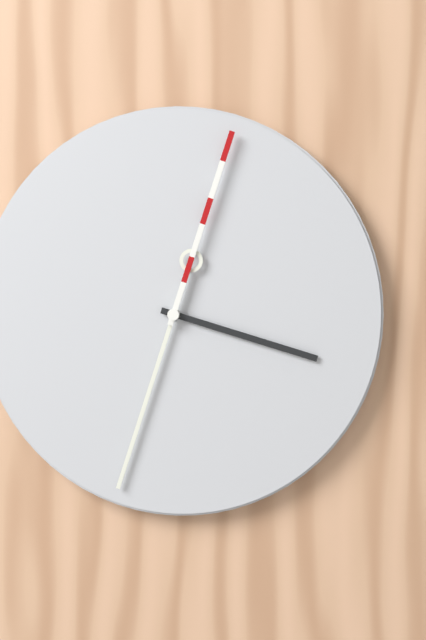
3:33:03
